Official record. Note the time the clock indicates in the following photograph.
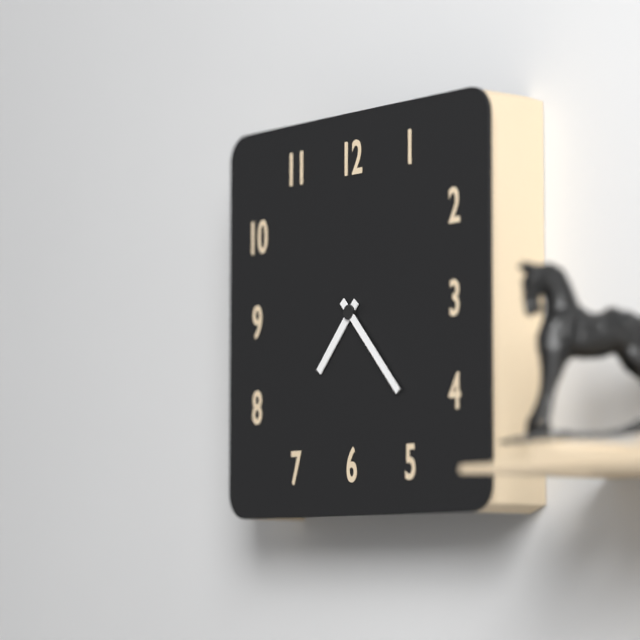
7:23
